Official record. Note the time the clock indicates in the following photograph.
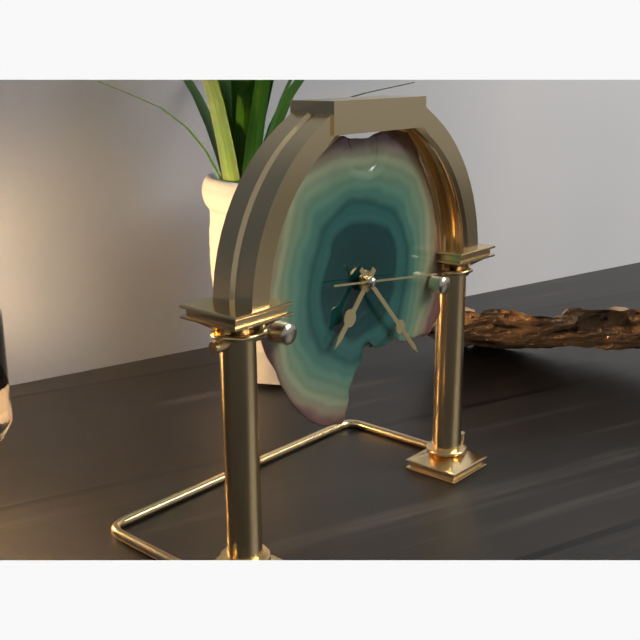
7:23:16
